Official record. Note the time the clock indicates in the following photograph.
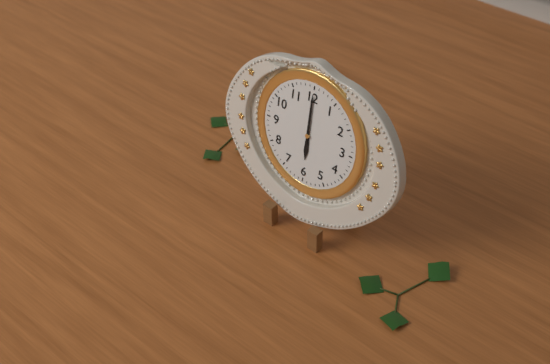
6:00
